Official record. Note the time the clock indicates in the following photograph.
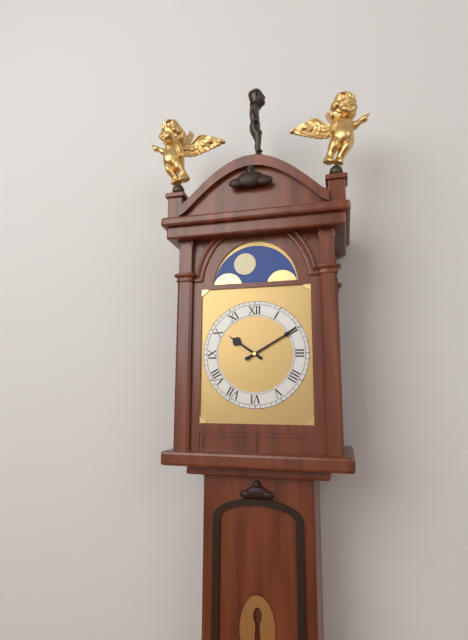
10:10
